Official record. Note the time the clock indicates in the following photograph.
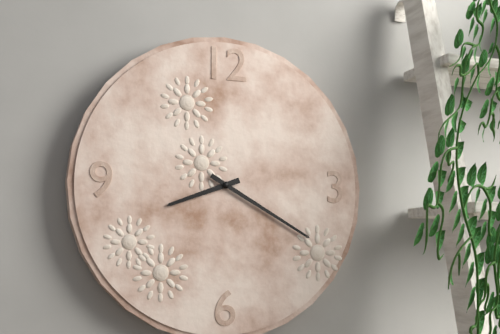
8:20
